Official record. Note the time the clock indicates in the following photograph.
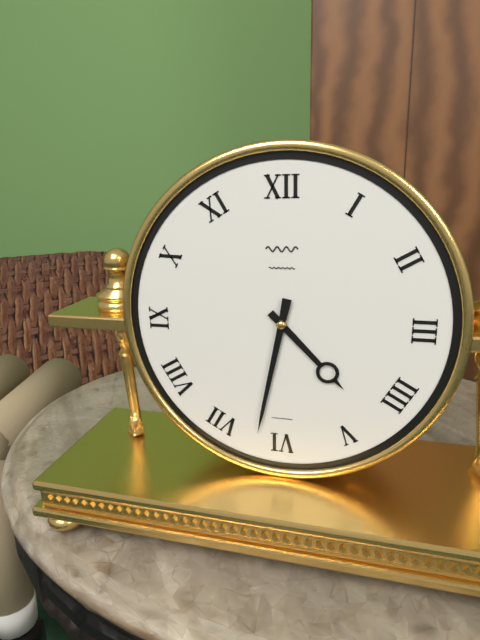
4:32
